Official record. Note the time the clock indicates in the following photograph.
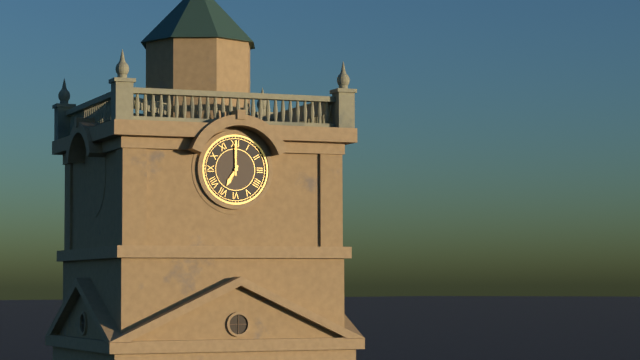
7:00
